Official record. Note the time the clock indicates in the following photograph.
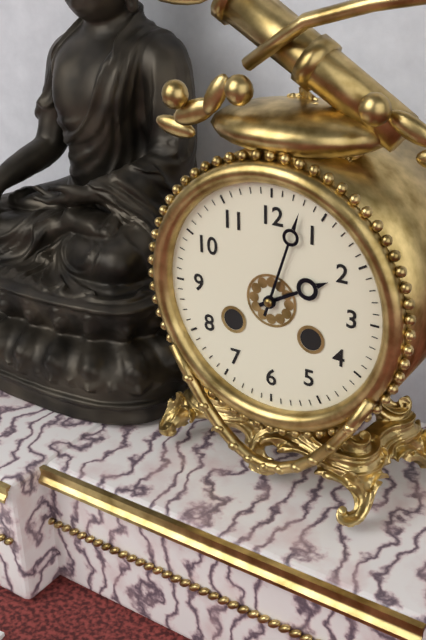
2:03
